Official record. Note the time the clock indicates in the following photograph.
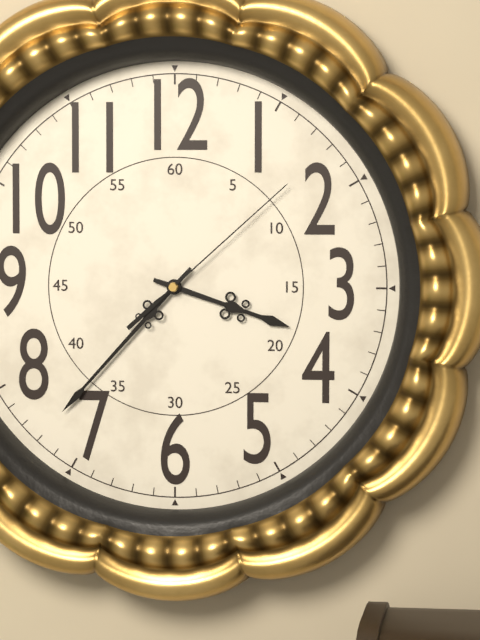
3:37:08
